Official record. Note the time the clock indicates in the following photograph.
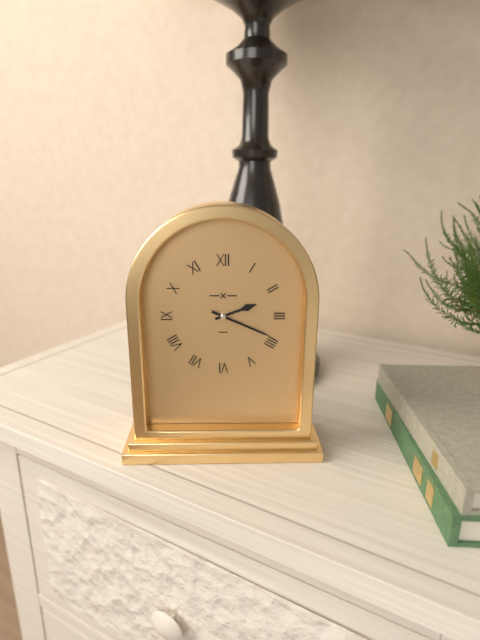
2:19
